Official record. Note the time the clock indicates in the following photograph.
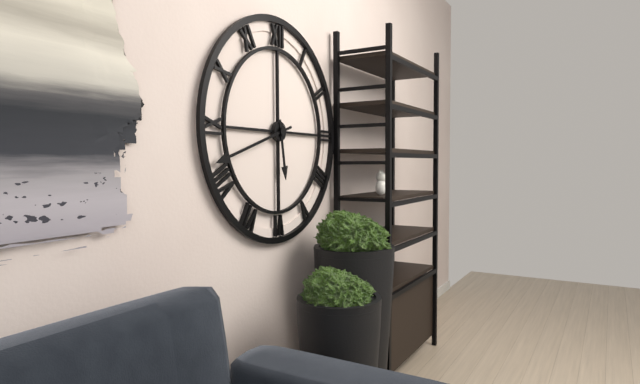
5:42
